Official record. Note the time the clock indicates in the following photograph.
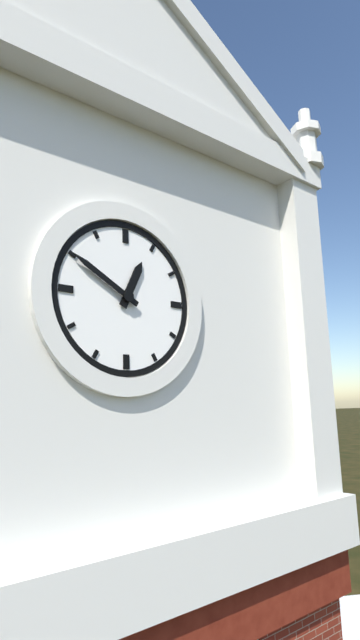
12:50
